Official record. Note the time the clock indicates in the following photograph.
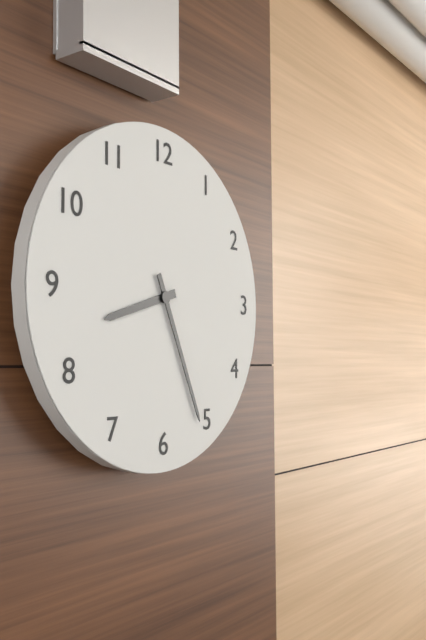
8:26
